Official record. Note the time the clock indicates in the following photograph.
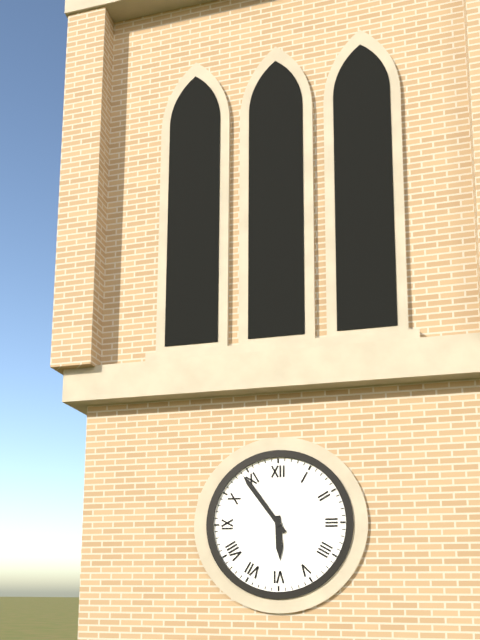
5:54
